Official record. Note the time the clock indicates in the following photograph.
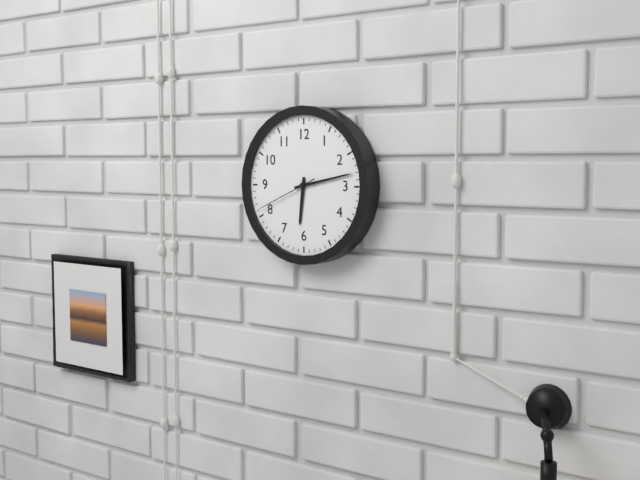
6:13:41
